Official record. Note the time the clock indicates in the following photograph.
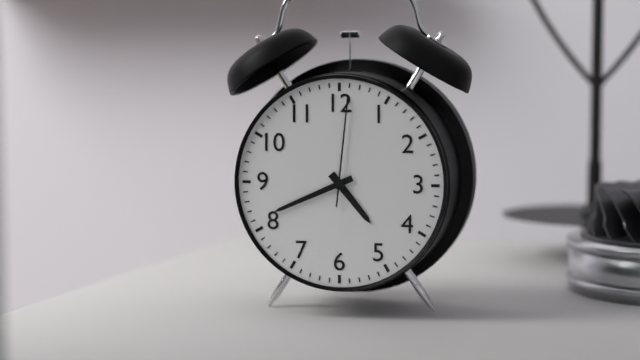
4:41:01
